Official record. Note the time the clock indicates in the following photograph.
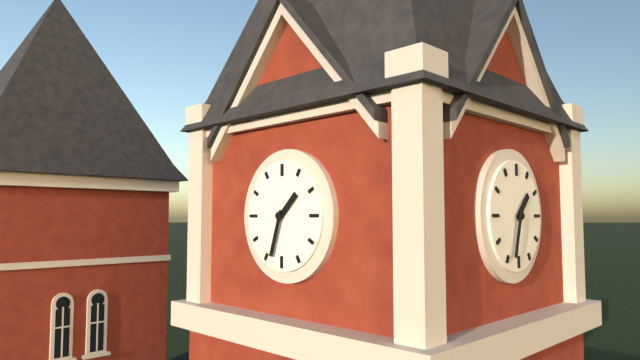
1:33
